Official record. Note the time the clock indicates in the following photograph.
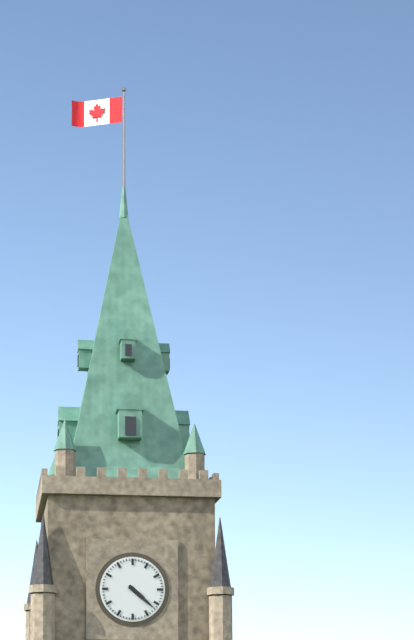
4:22
